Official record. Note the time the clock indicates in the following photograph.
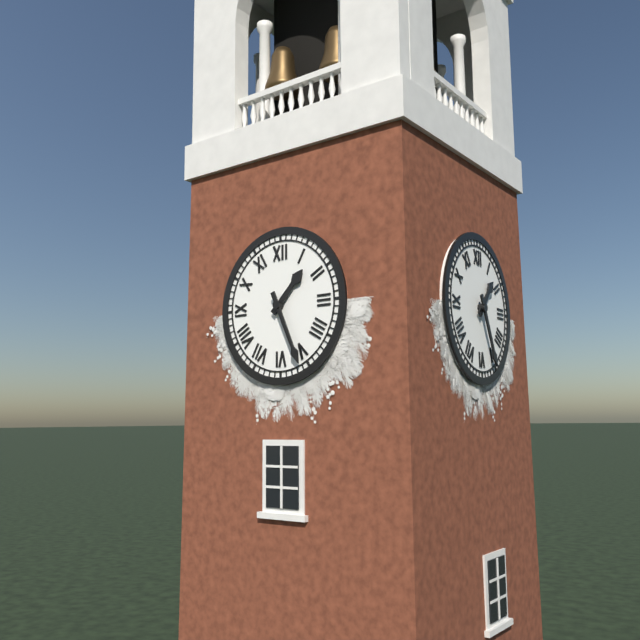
1:26
